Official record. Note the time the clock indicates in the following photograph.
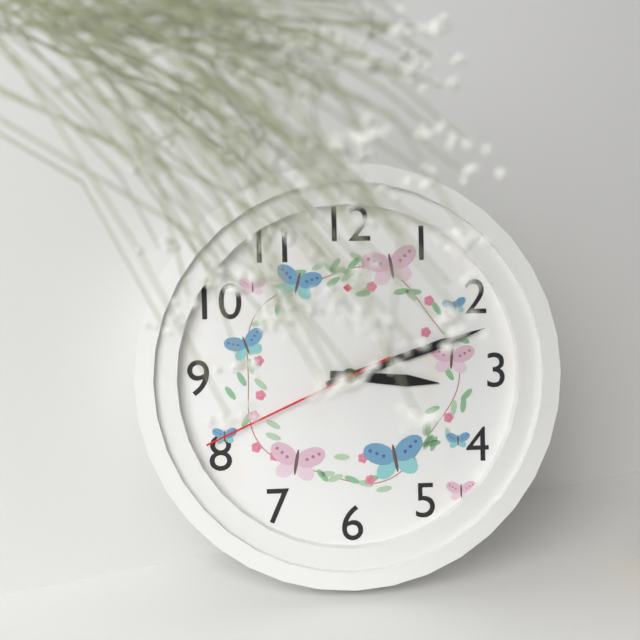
3:12:41
